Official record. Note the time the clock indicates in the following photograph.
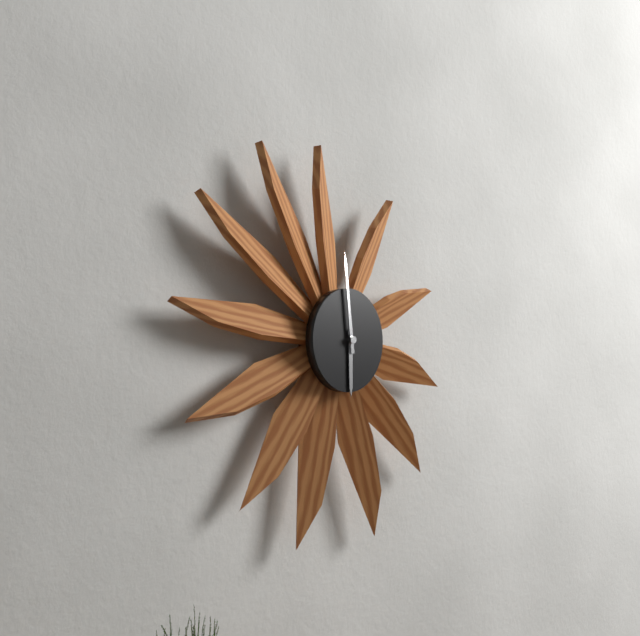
5:59
